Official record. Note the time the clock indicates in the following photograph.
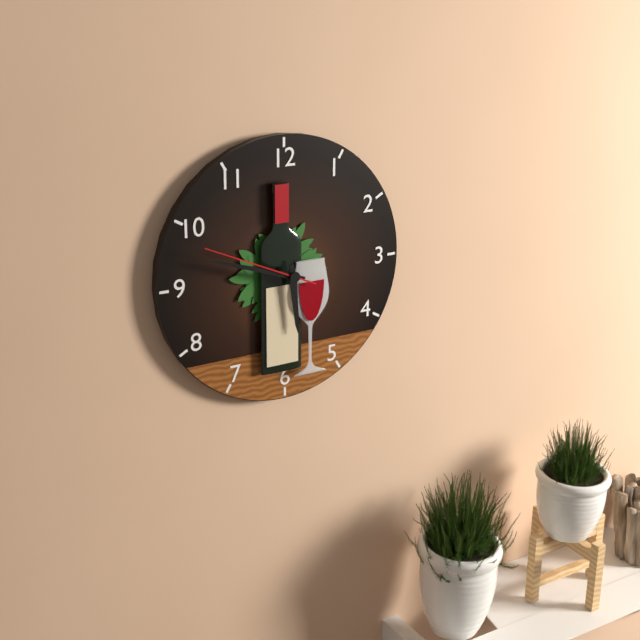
5:48:49
